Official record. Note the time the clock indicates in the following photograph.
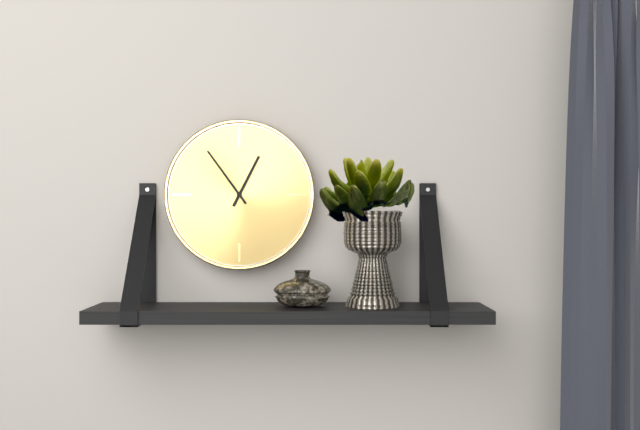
12:54
